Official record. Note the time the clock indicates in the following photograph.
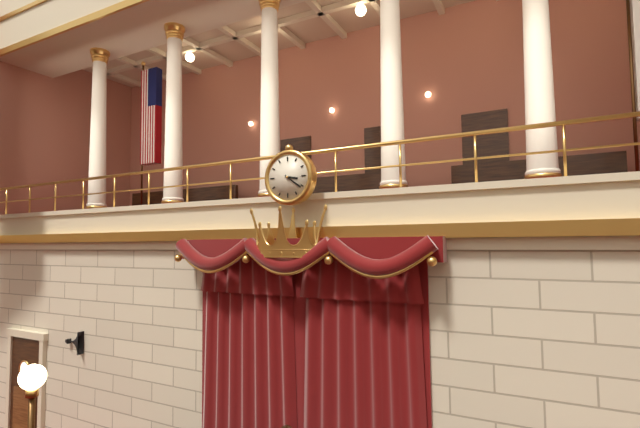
3:21
